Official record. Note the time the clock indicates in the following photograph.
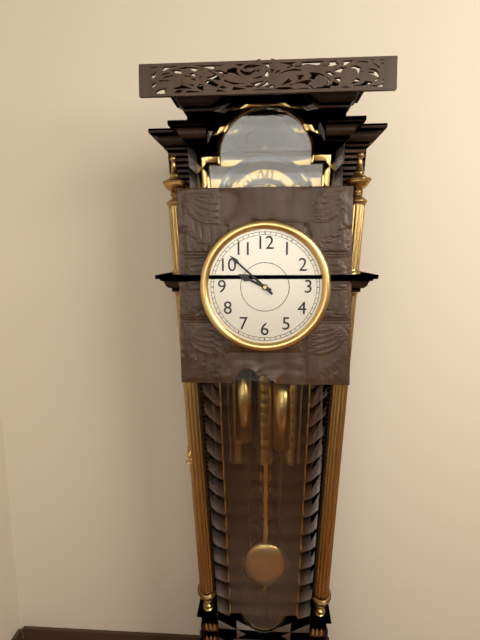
9:52
